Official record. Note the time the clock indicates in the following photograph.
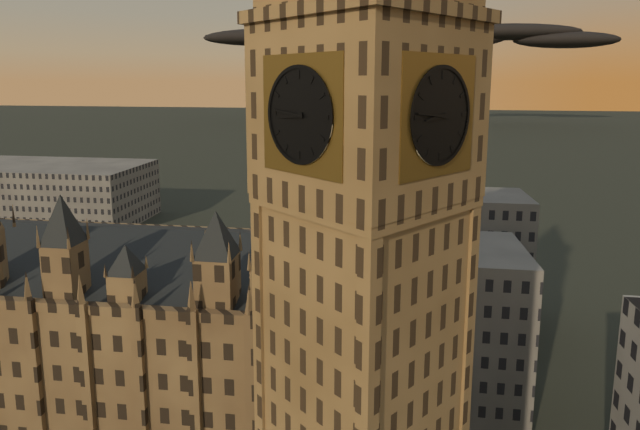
8:46
